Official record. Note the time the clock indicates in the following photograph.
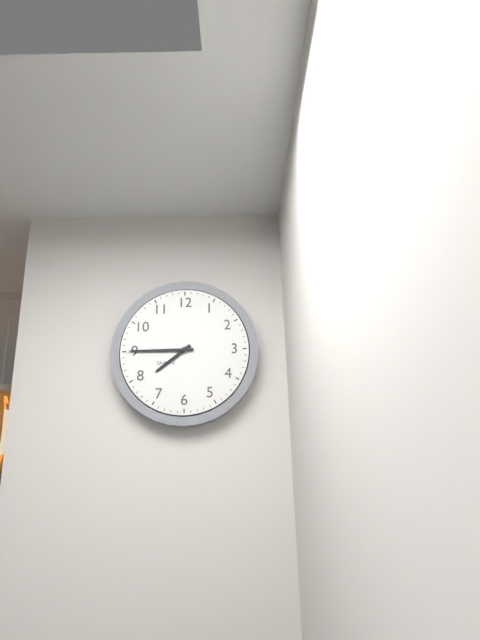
7:45
